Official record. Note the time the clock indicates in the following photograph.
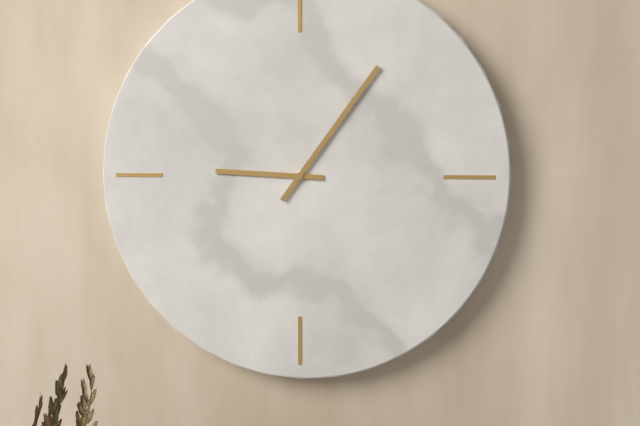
9:06
